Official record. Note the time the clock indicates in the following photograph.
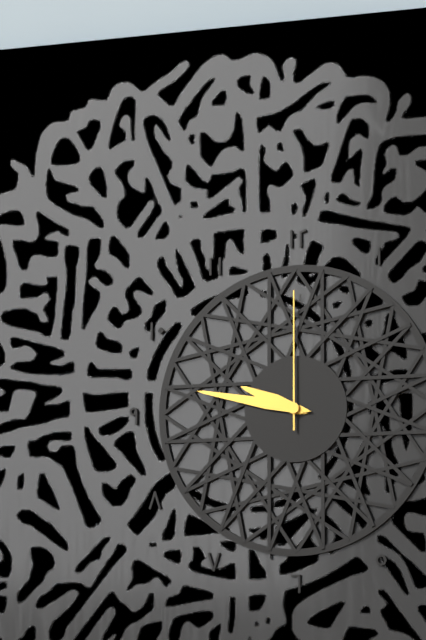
9:47:00
